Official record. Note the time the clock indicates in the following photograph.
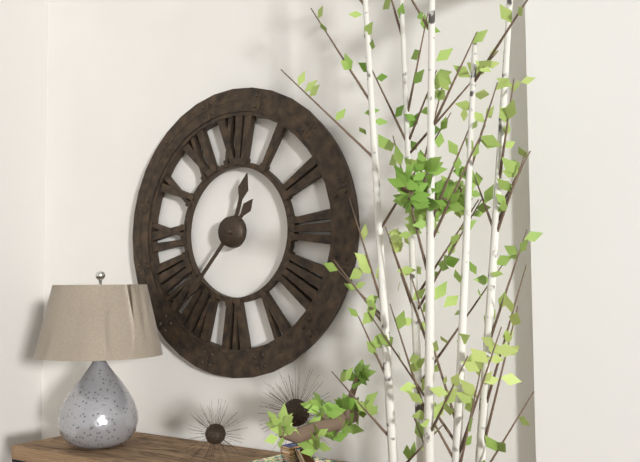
12:37
